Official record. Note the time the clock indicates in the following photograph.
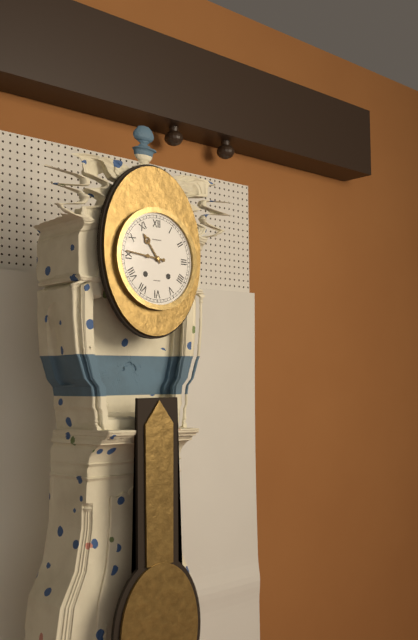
10:46
